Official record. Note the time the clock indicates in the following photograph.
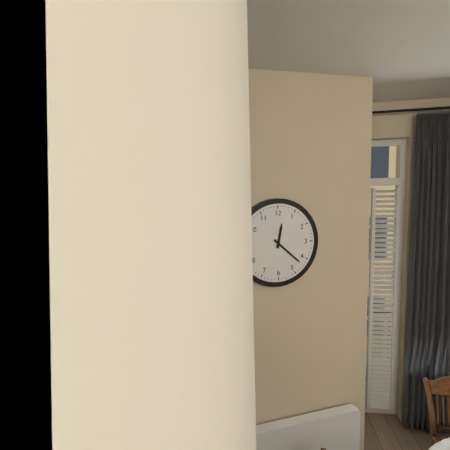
12:22
